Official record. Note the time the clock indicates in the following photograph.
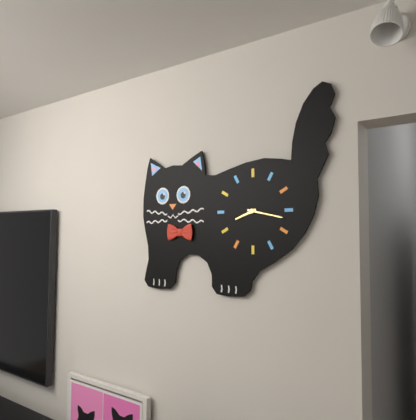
8:17
